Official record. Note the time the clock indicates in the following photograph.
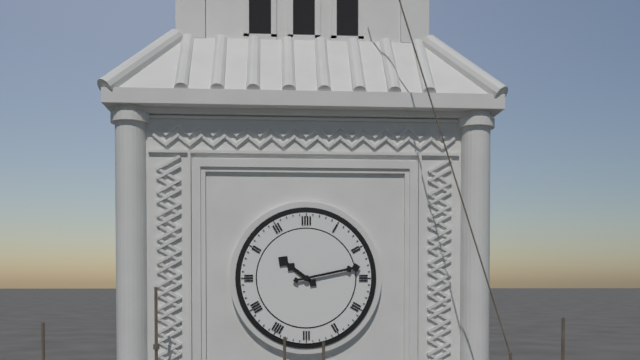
10:13
